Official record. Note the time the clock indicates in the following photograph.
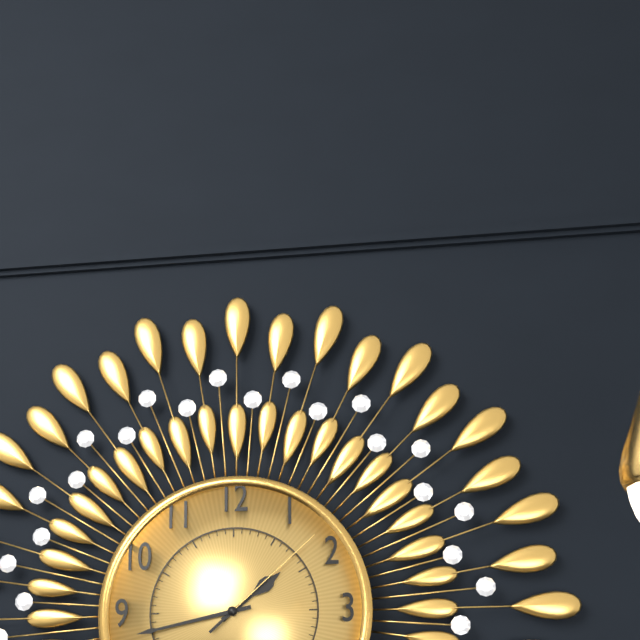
1:43:08
